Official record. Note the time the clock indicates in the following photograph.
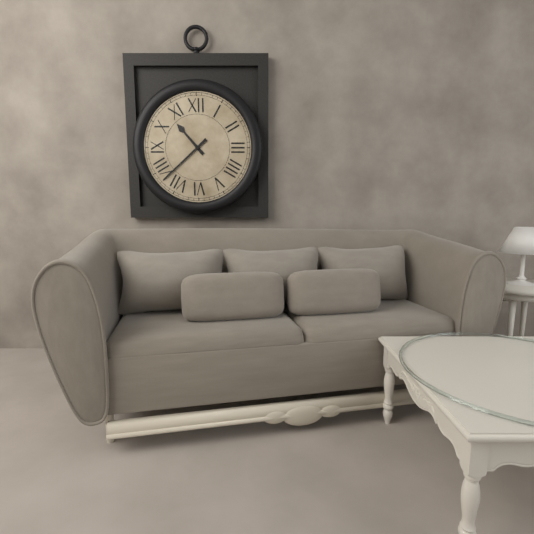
10:38
